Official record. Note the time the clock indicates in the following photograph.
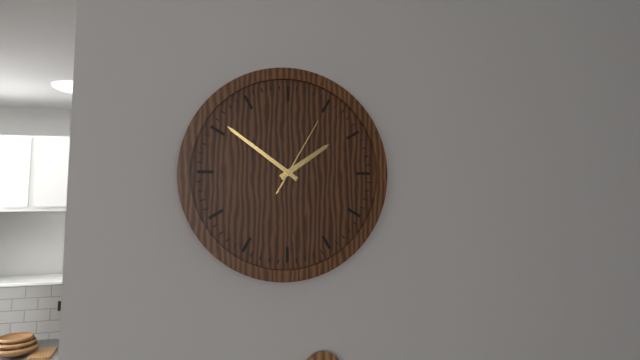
1:51:05
